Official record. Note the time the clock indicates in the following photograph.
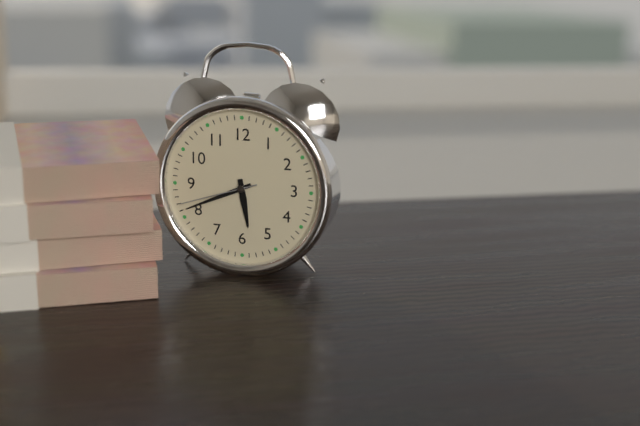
5:41:42
